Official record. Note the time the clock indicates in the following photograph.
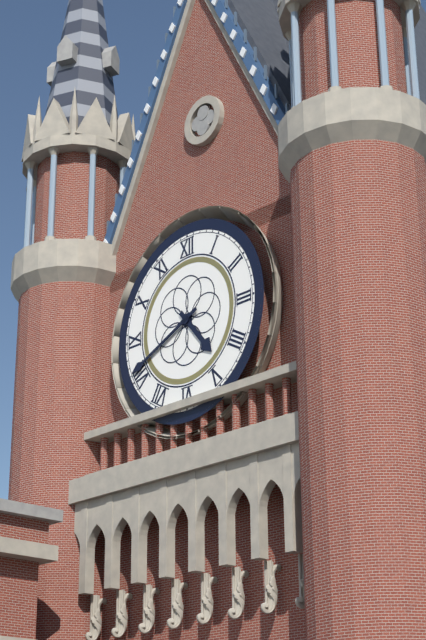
4:41
